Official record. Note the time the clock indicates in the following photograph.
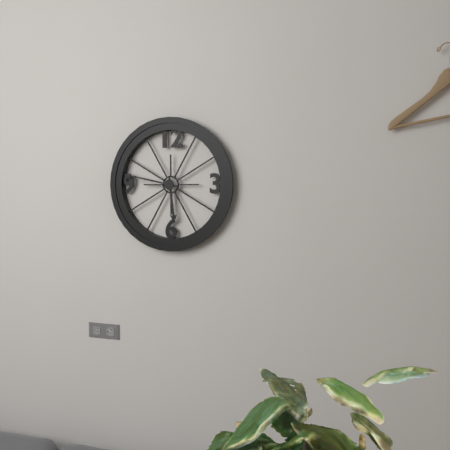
5:47
